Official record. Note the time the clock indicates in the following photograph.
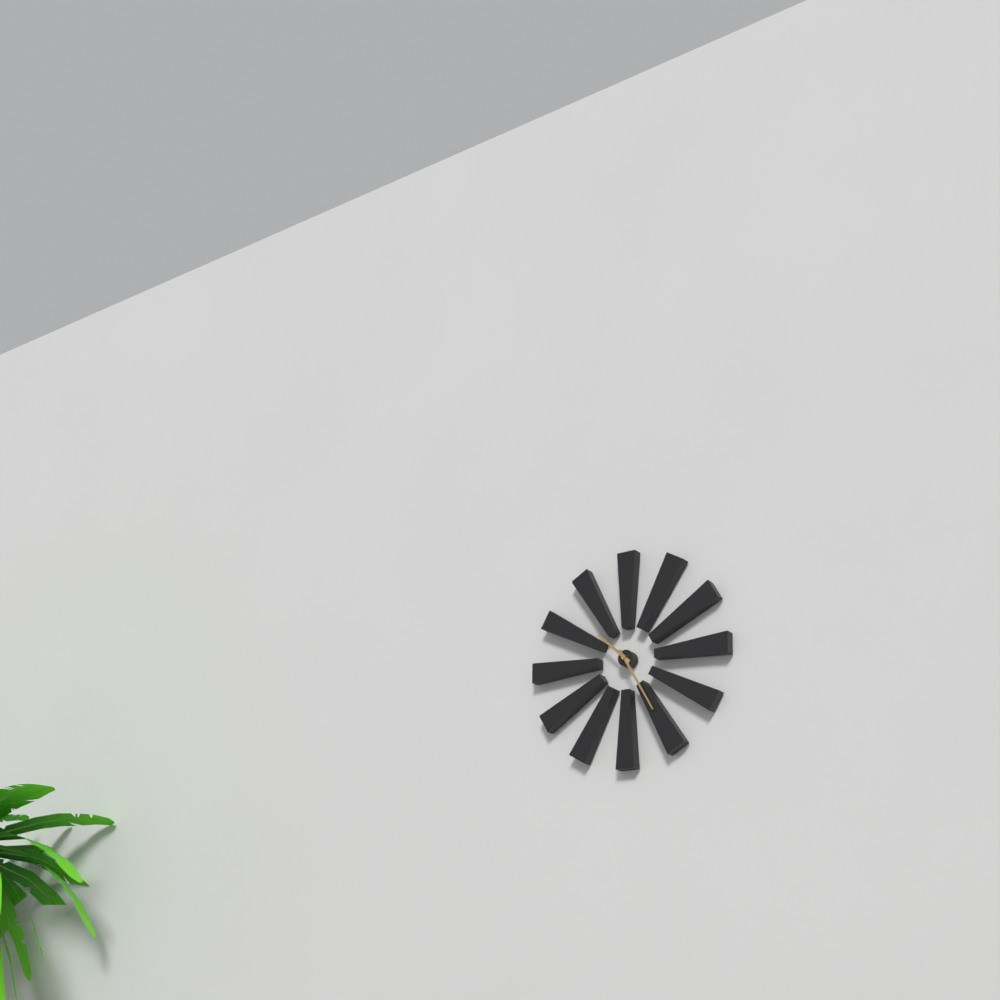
10:25
